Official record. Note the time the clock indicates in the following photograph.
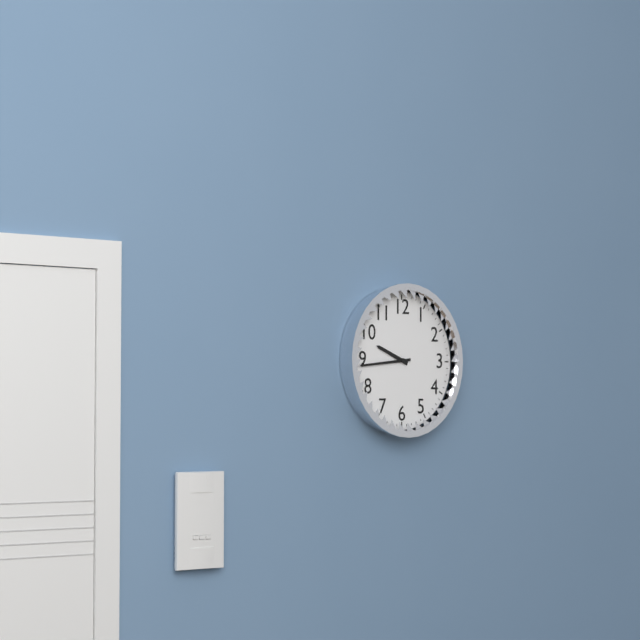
9:44
